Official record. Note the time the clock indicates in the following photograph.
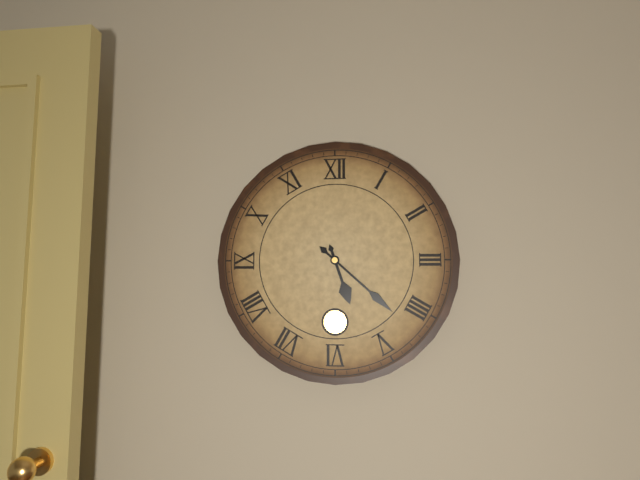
5:22
